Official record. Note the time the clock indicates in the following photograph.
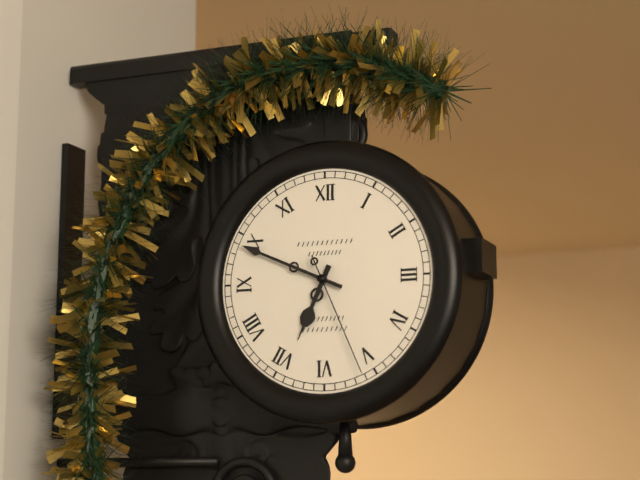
6:49:26
